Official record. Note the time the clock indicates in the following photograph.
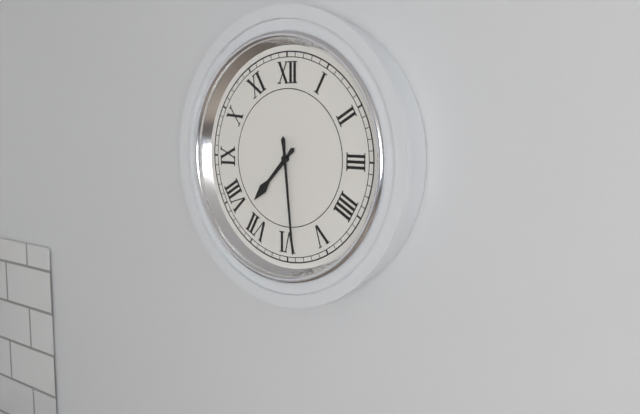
7:29
